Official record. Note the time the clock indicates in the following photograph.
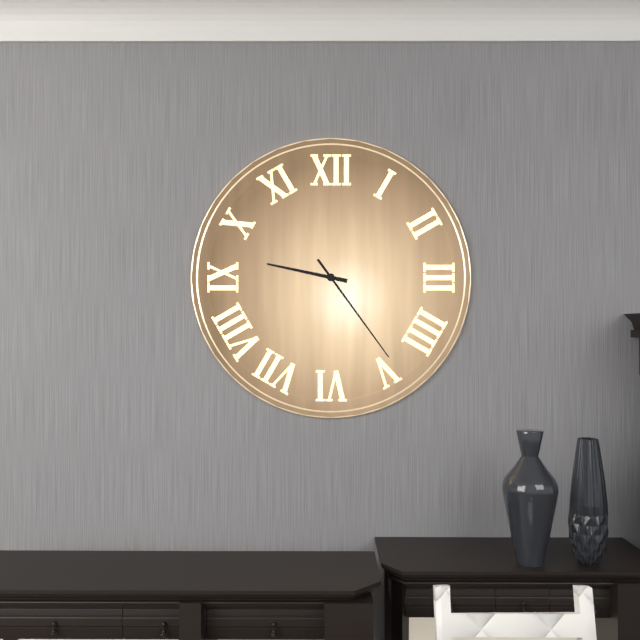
9:24
